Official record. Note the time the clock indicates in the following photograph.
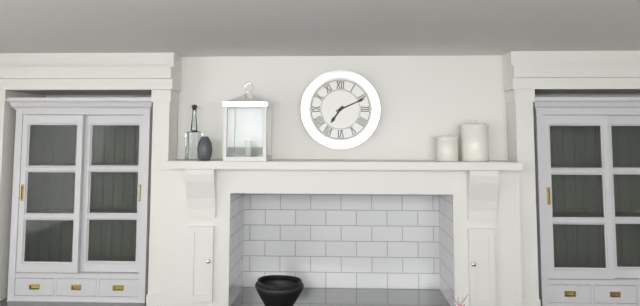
7:11
